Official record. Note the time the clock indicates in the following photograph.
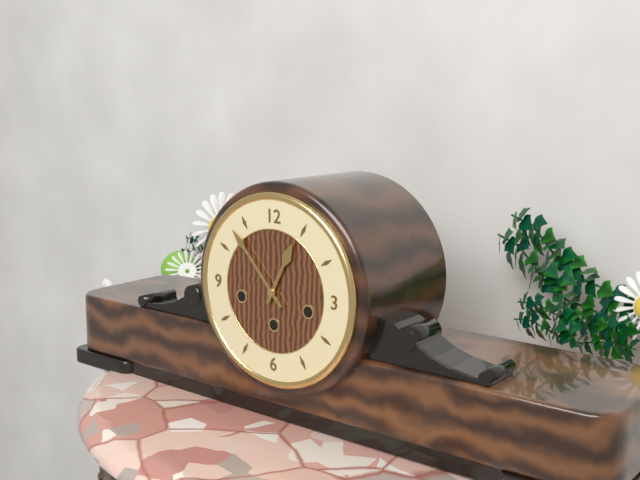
12:53
